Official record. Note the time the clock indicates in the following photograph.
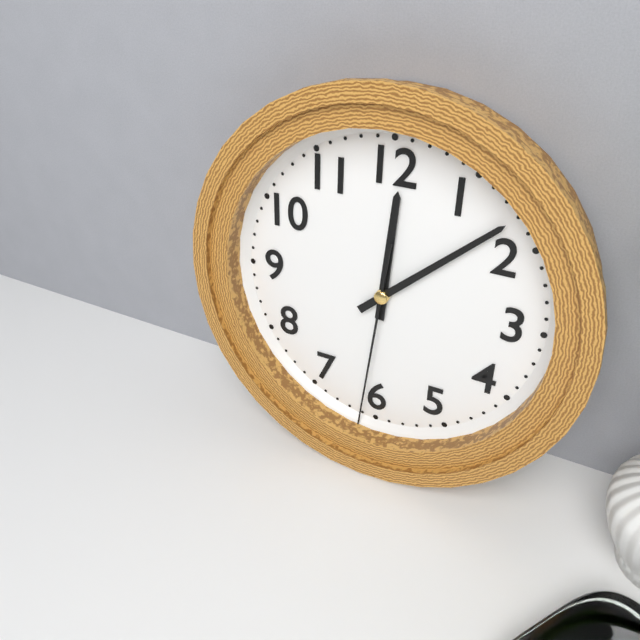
12:08:31
